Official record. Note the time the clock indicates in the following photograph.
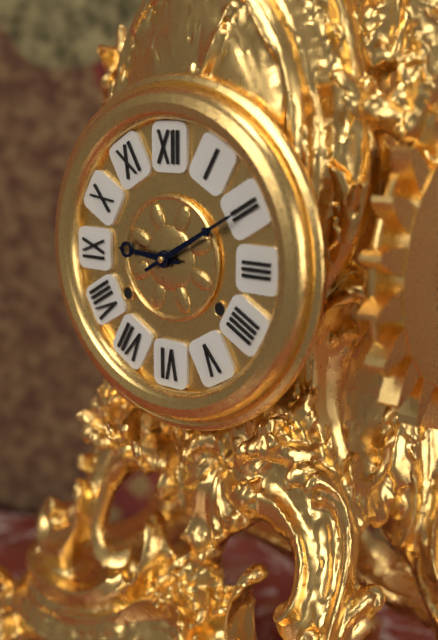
9:10
